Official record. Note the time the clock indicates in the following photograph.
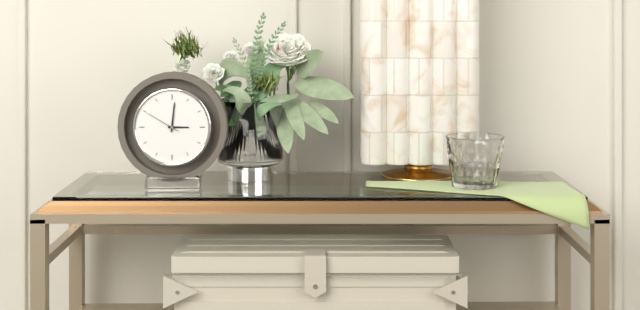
3:01
